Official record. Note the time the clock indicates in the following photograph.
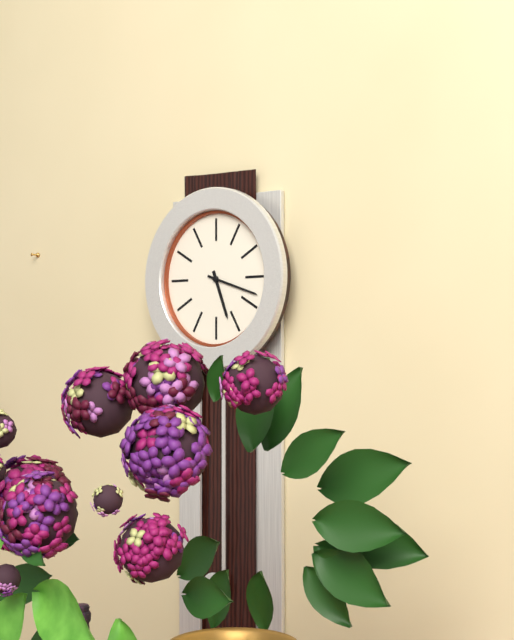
5:18
